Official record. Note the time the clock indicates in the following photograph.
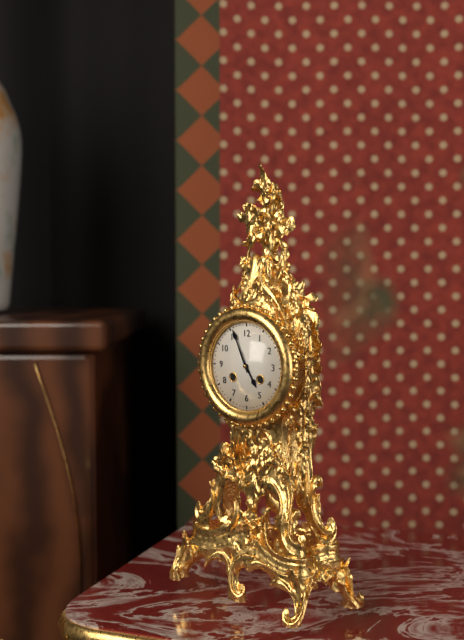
4:56
